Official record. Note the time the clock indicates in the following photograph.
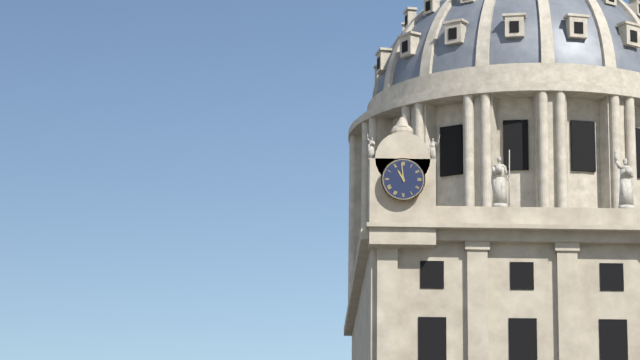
10:59
